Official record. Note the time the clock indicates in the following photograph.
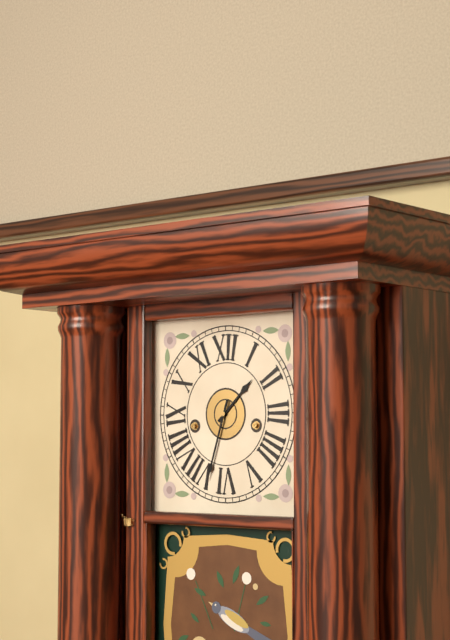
1:33
